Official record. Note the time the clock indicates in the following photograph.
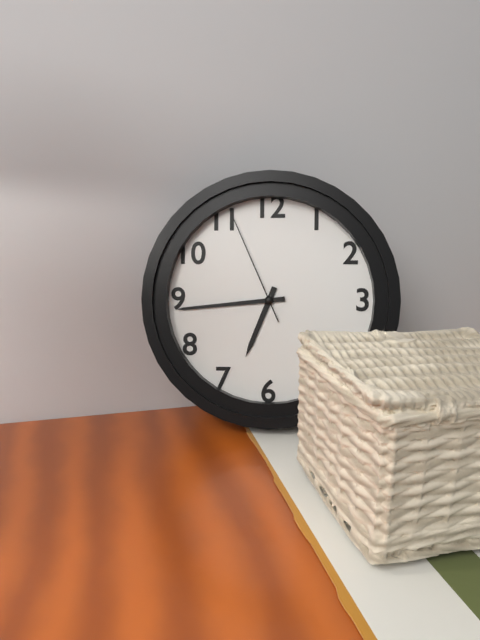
6:44:56
